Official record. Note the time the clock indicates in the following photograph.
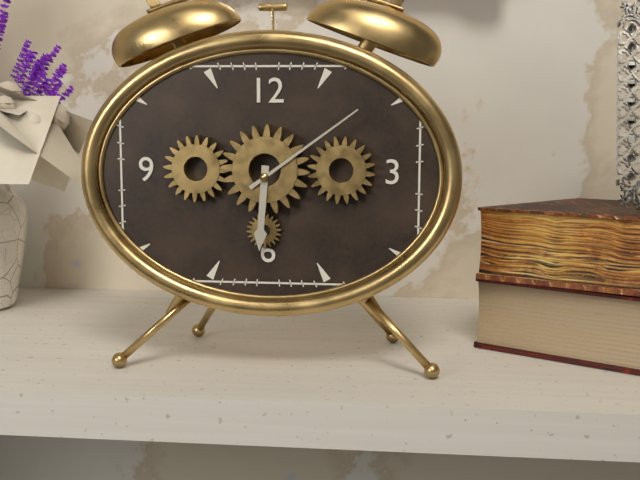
6:09
